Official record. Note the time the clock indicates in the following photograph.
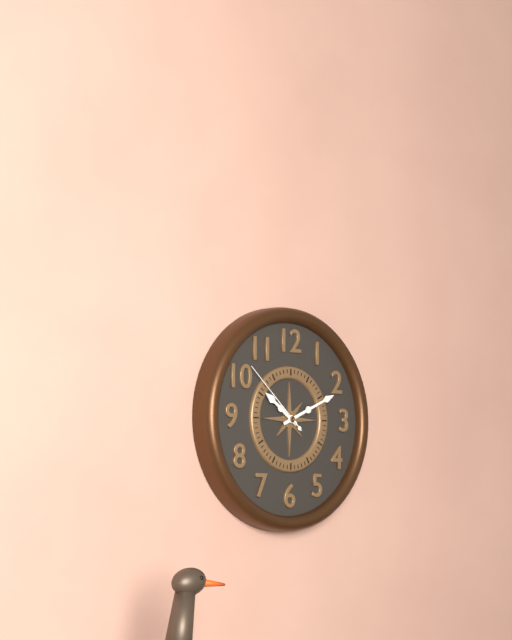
10:11:52
